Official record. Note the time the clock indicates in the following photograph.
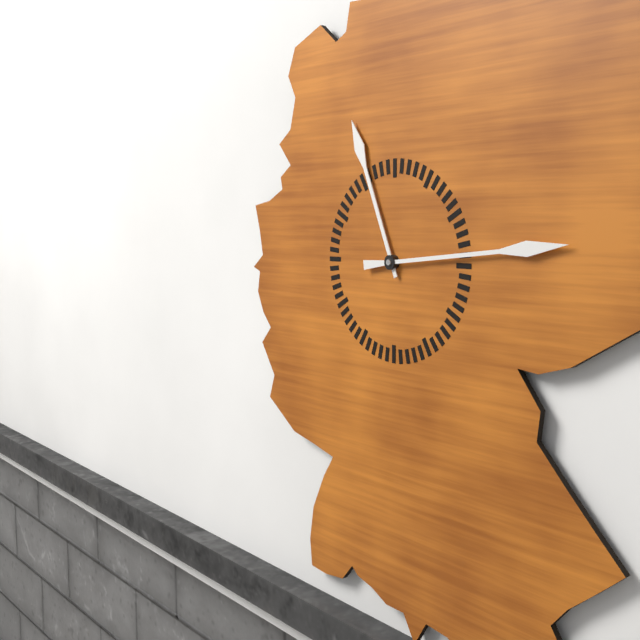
11:14
